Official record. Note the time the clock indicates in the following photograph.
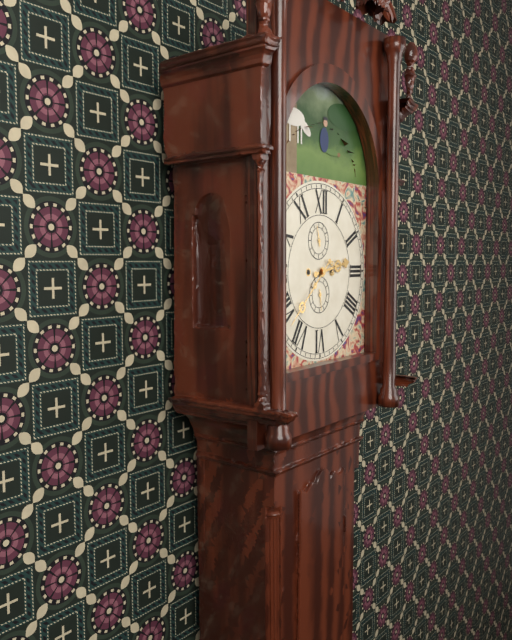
2:38
